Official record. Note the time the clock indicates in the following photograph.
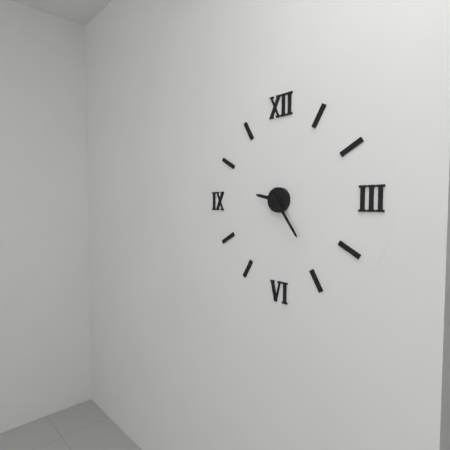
9:24
